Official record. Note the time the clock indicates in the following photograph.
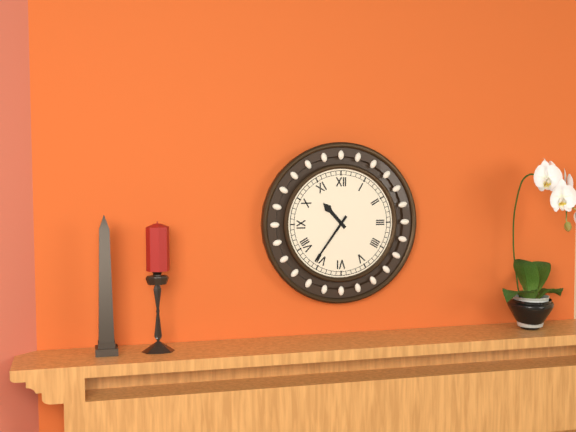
10:36
